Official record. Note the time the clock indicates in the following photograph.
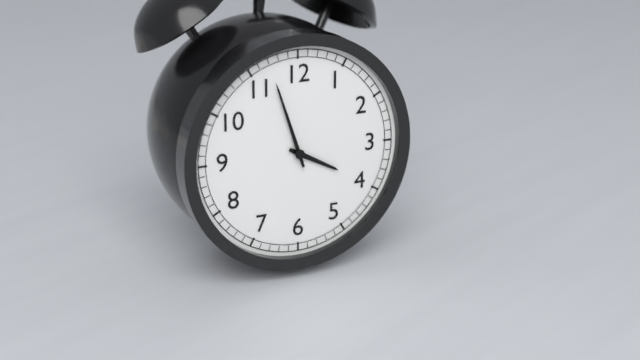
3:57
